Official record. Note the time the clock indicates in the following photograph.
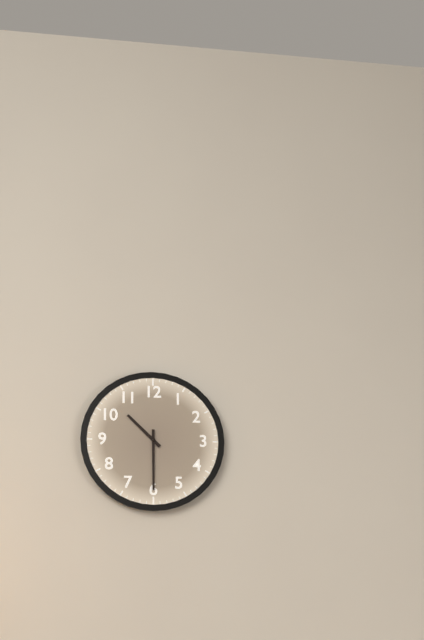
10:30
